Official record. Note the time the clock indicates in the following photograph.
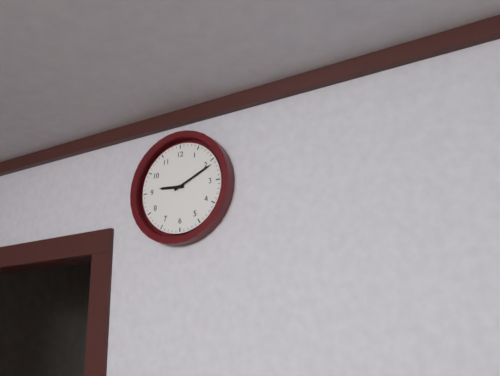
9:11
